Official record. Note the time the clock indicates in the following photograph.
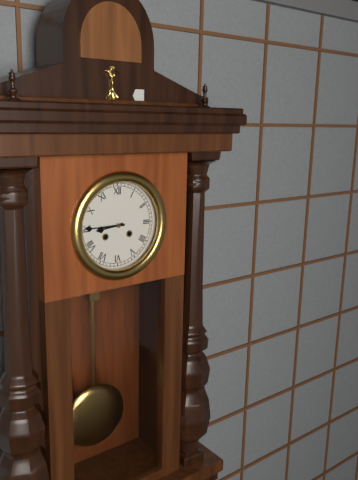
8:45
